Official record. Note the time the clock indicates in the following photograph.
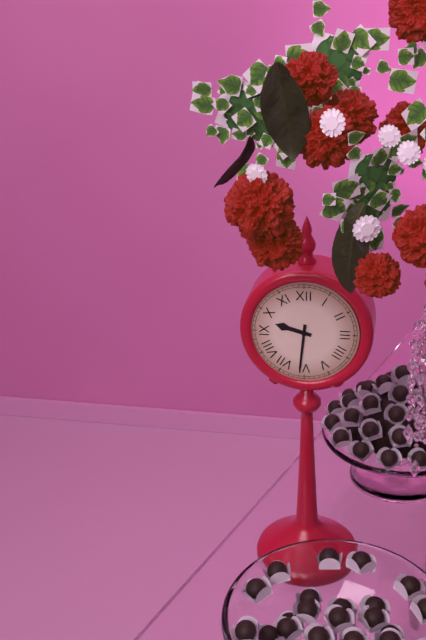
9:31
